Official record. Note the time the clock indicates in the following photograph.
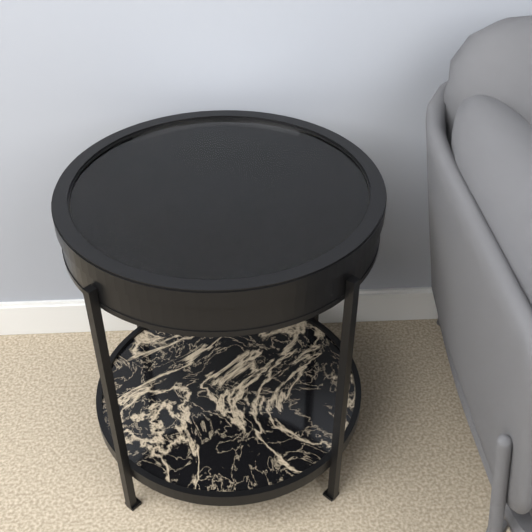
1:44
